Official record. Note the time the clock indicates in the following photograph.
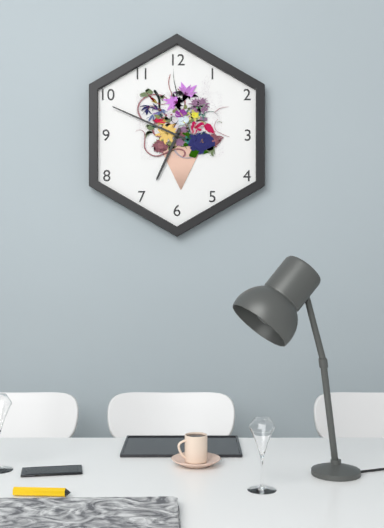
6:49
